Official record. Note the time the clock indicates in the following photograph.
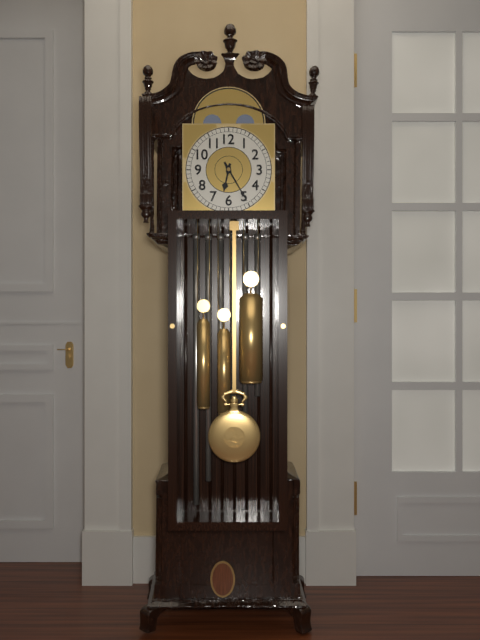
6:25
